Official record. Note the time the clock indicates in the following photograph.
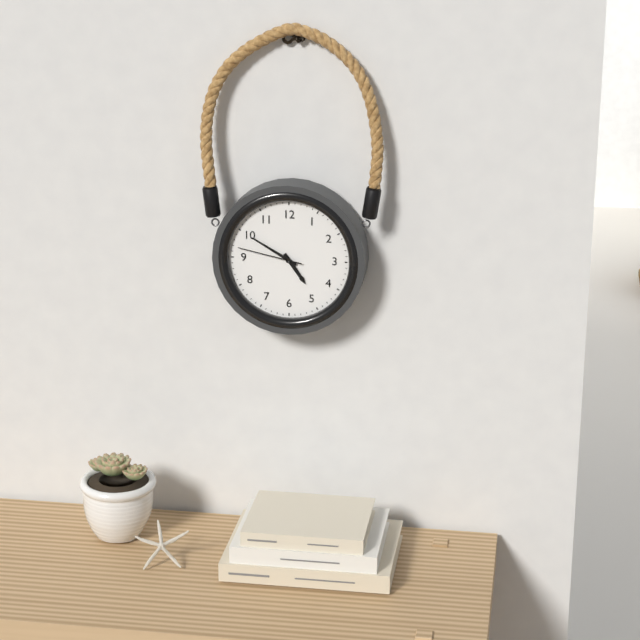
4:50:47
